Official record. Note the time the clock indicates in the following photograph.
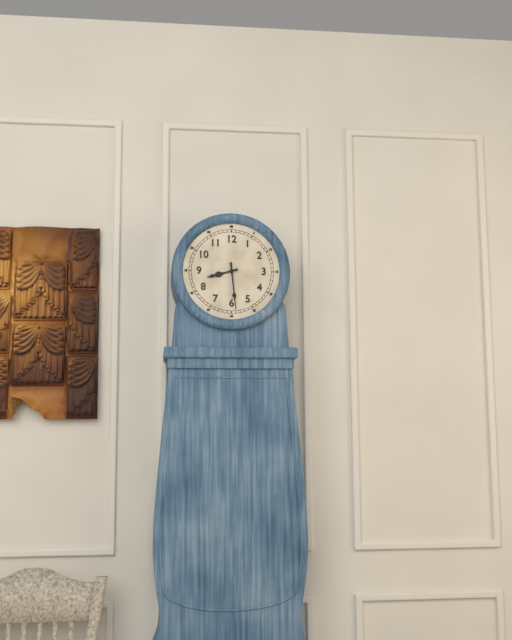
8:29
